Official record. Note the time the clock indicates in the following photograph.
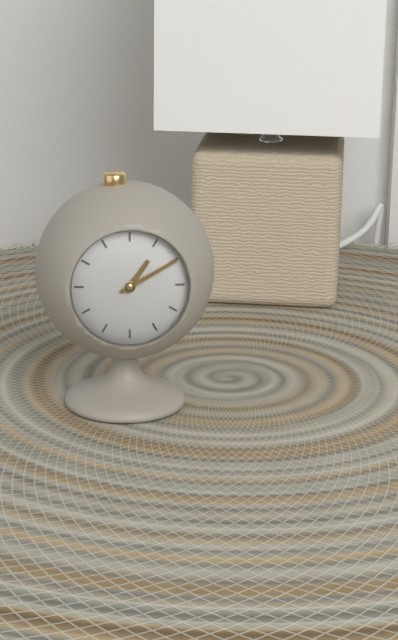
1:10
